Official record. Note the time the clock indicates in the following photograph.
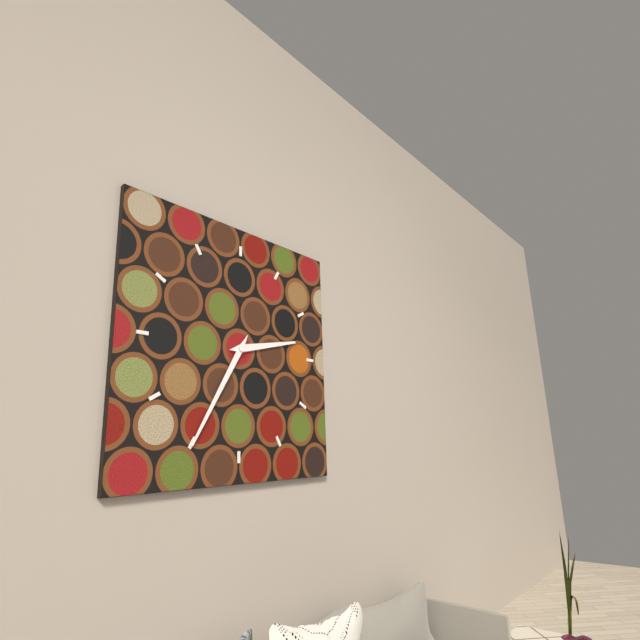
2:35
